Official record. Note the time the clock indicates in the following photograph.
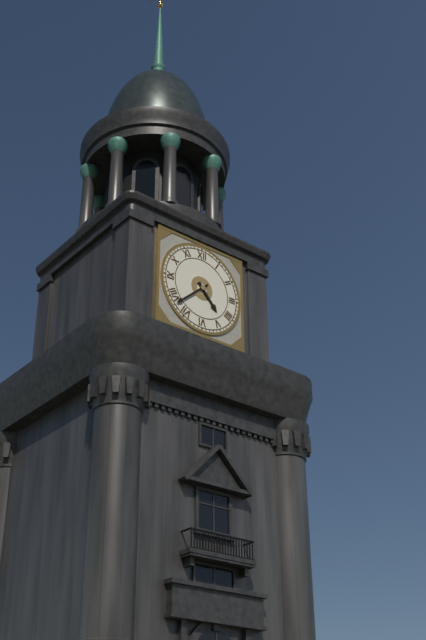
4:38
